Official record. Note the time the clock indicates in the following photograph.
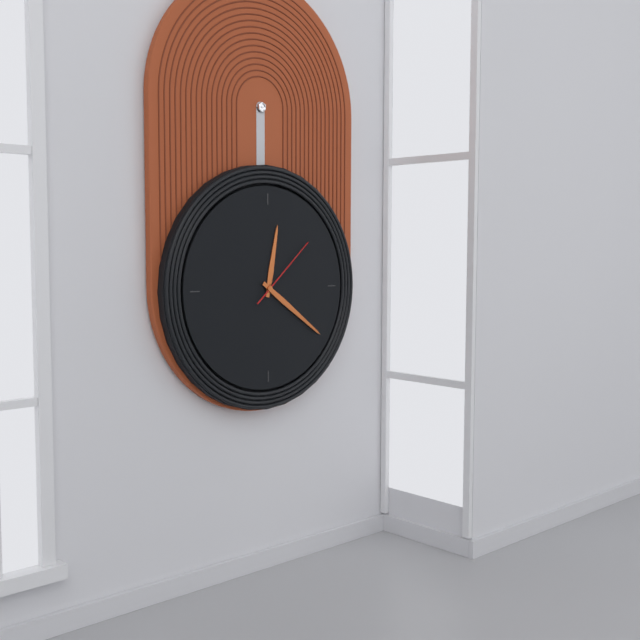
12:21:08
